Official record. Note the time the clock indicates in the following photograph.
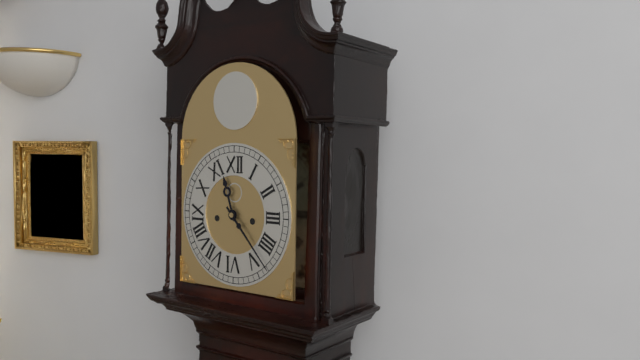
11:23
